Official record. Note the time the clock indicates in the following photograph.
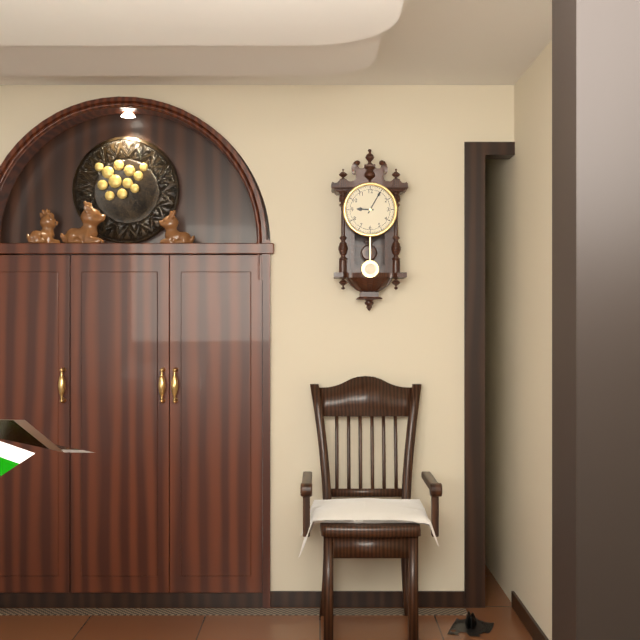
9:05
